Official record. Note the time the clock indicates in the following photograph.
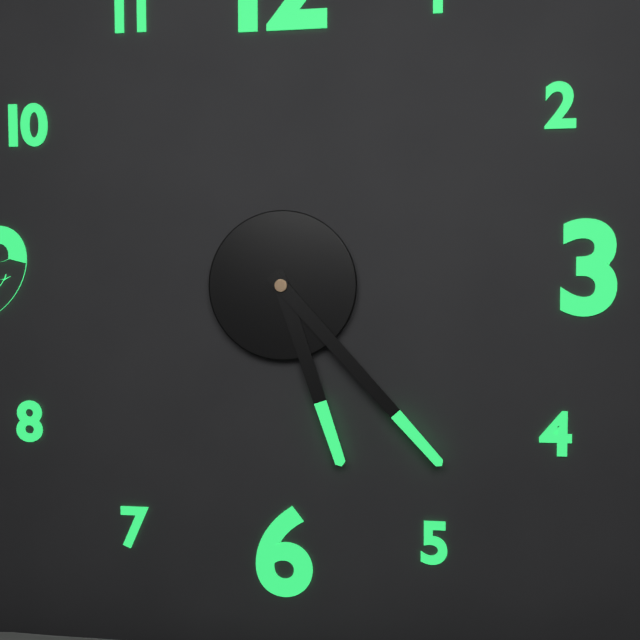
5:23
